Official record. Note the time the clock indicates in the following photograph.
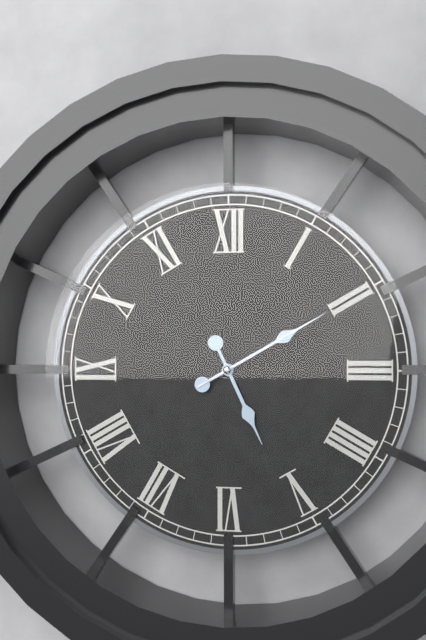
5:10:10
